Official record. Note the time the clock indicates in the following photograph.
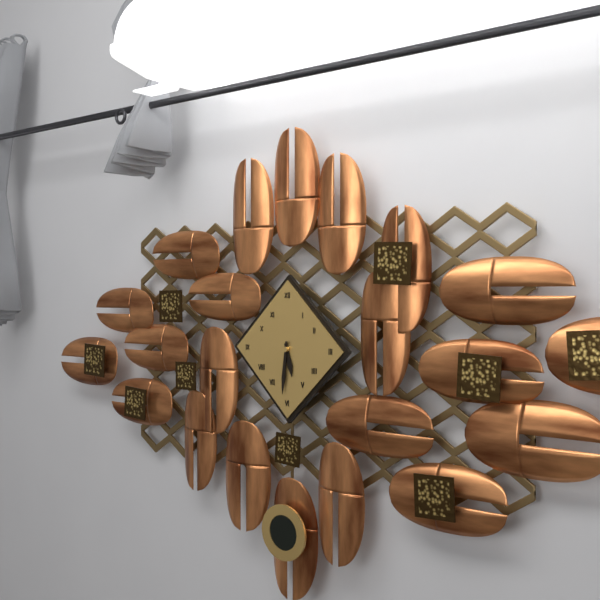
5:31
